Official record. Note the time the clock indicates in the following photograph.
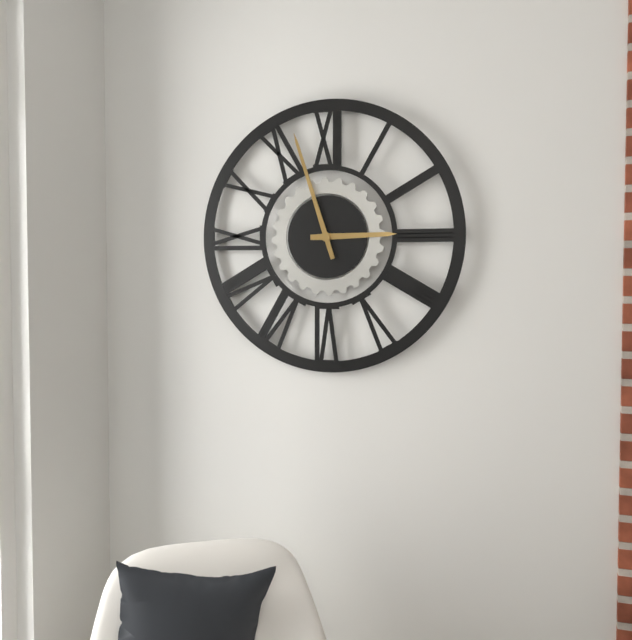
2:57
